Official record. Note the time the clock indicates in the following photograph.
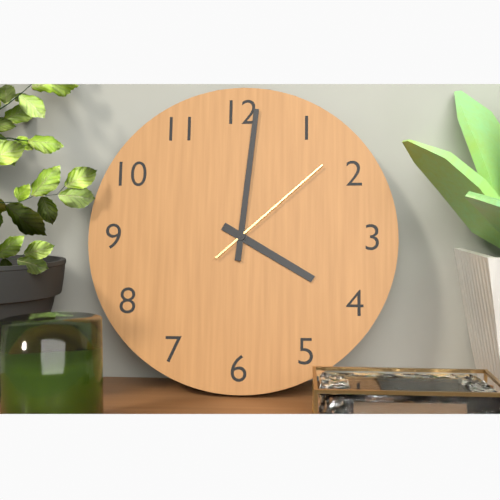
4:01:08
